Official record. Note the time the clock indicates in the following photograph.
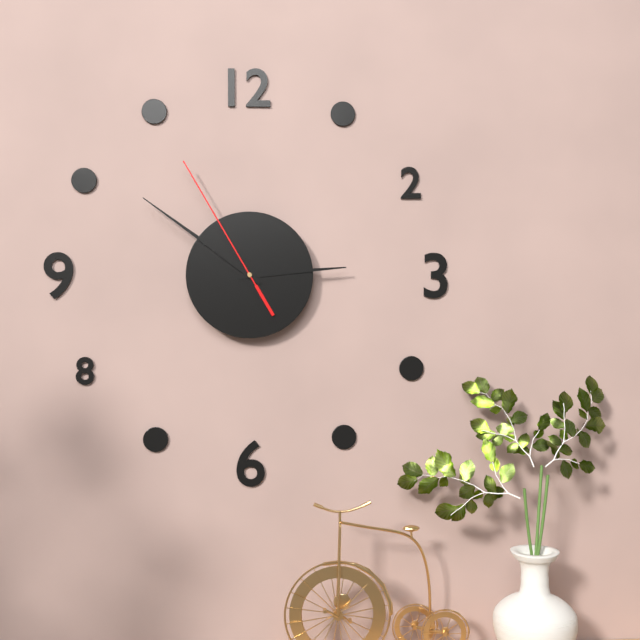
2:51:55
